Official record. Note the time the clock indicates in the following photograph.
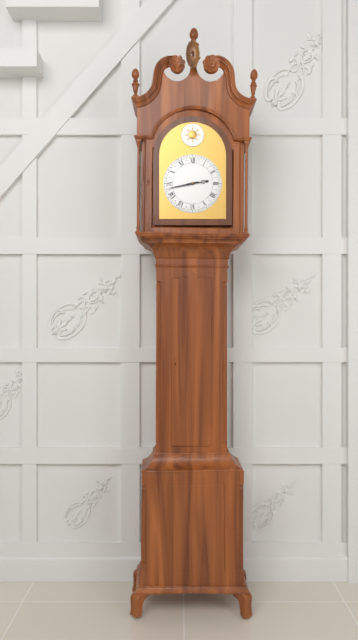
2:43
